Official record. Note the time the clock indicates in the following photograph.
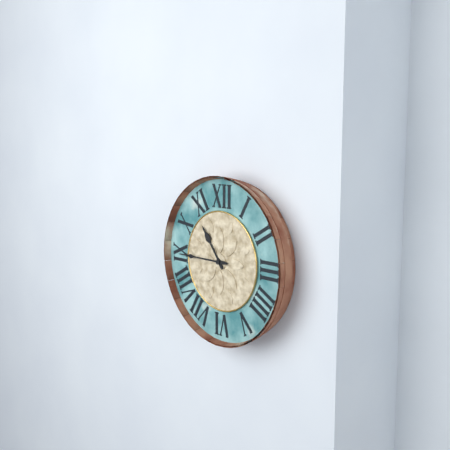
10:45
